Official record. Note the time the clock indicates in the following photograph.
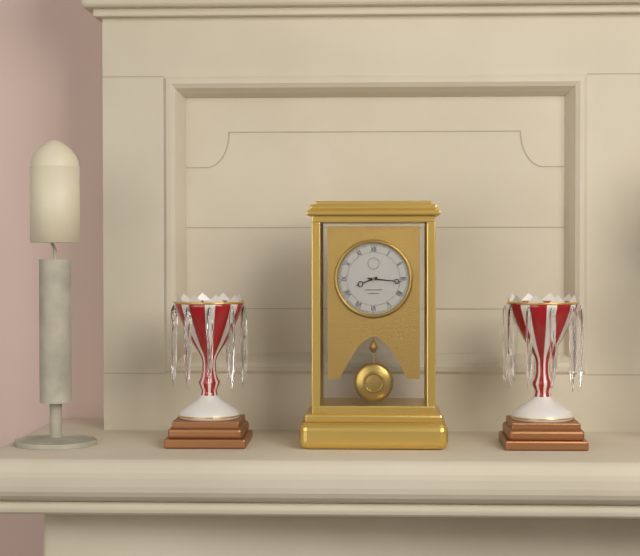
8:16
